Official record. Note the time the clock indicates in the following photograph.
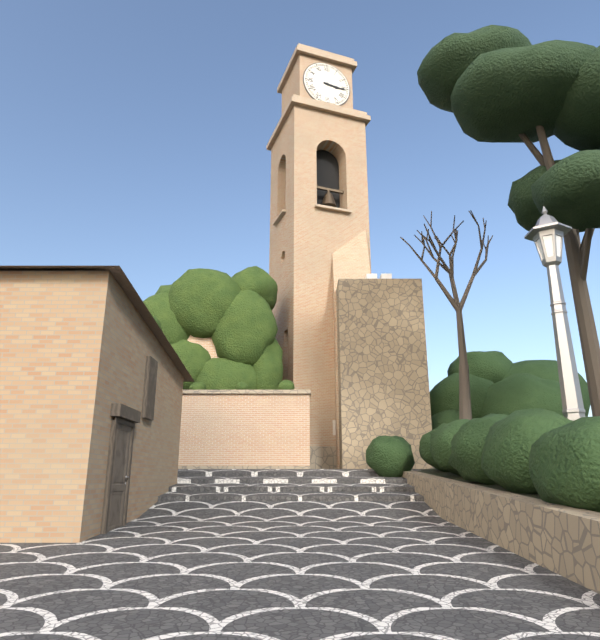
3:16
